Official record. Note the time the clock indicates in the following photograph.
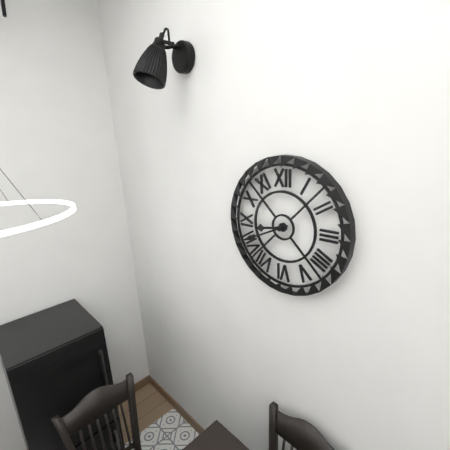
8:41
